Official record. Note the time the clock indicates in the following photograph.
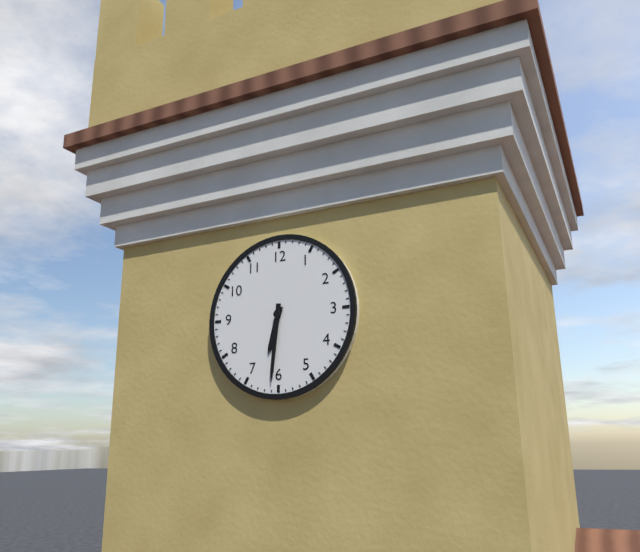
6:31
